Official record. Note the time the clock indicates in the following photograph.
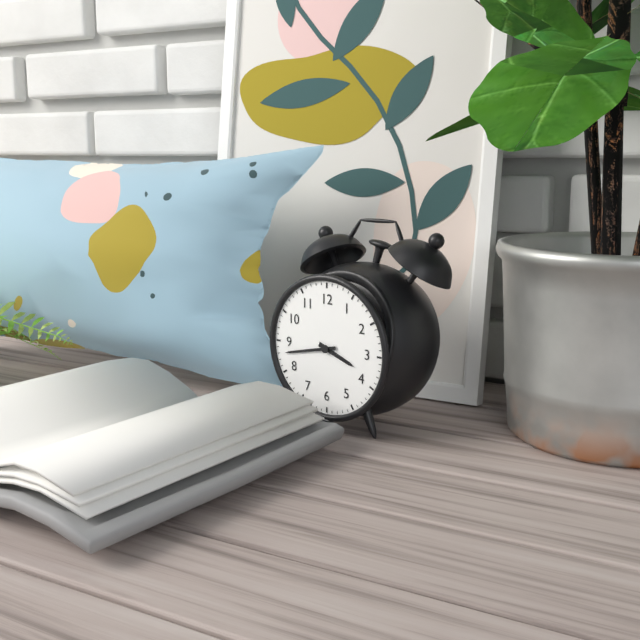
3:43
